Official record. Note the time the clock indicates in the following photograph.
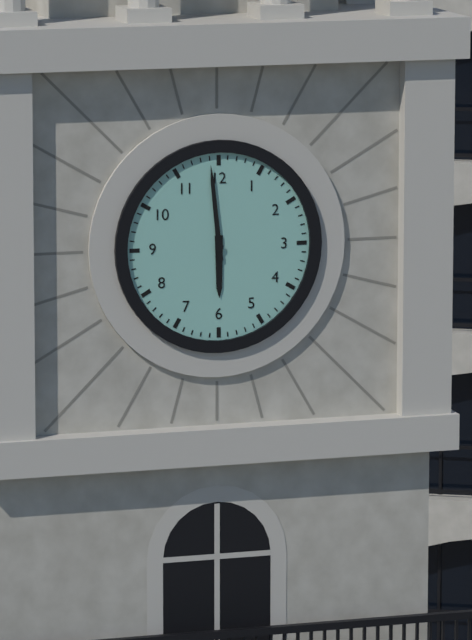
5:59
